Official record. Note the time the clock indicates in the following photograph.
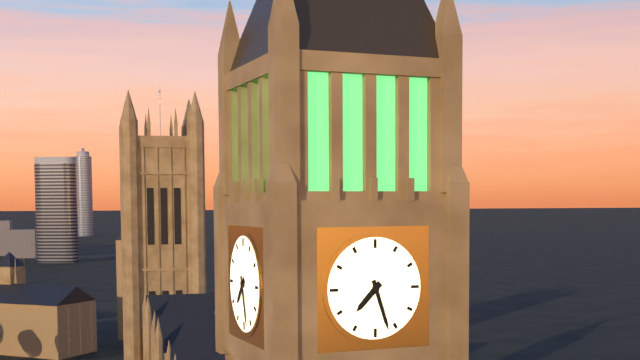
7:27
